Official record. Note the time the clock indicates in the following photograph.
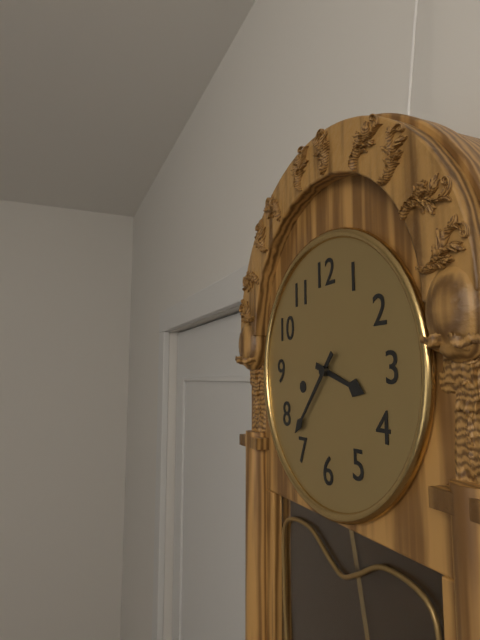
3:37
